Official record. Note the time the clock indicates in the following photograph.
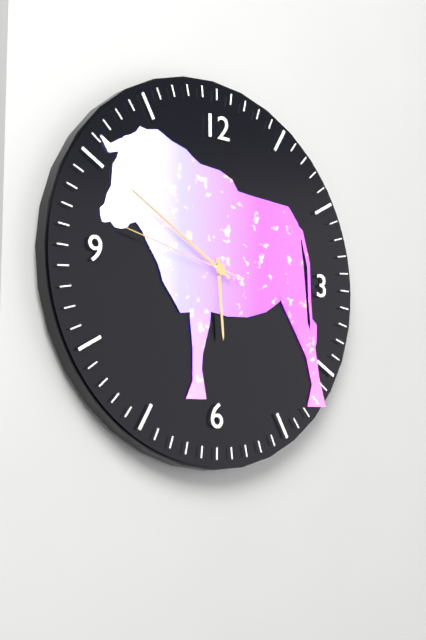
5:50:47
